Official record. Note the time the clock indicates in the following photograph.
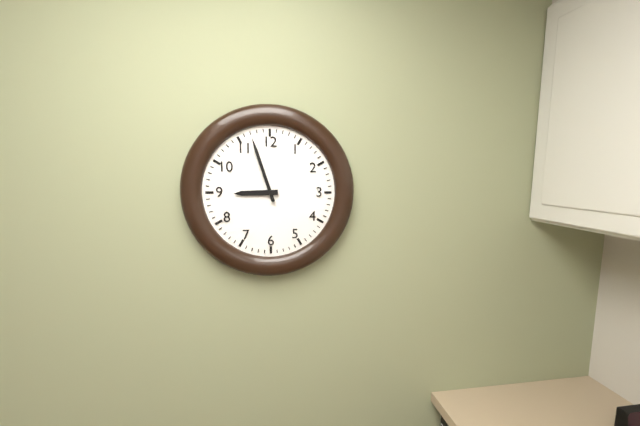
8:57
